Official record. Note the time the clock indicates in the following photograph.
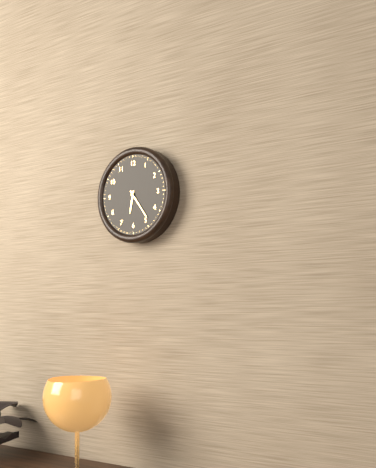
6:24
